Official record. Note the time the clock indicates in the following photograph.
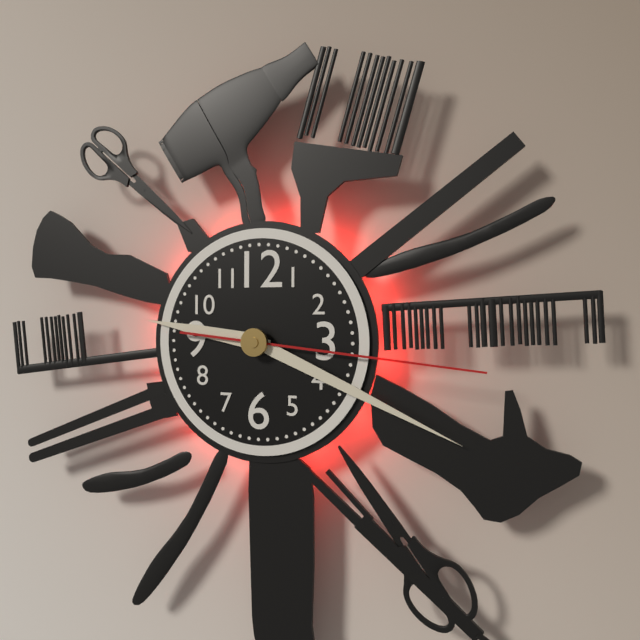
9:19:16
